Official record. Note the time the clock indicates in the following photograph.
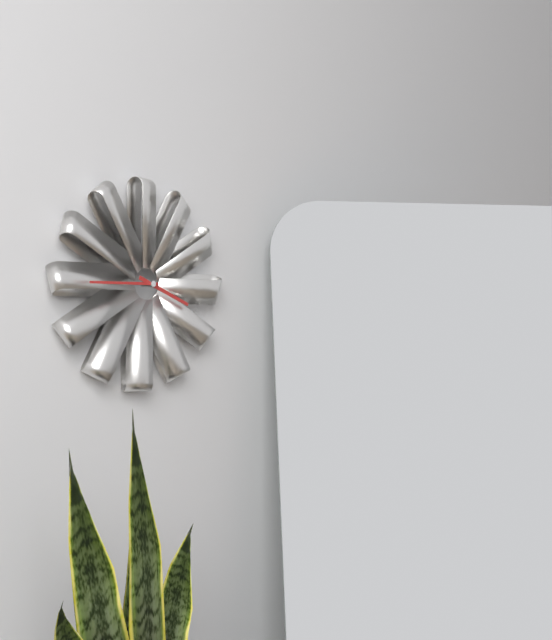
3:45
